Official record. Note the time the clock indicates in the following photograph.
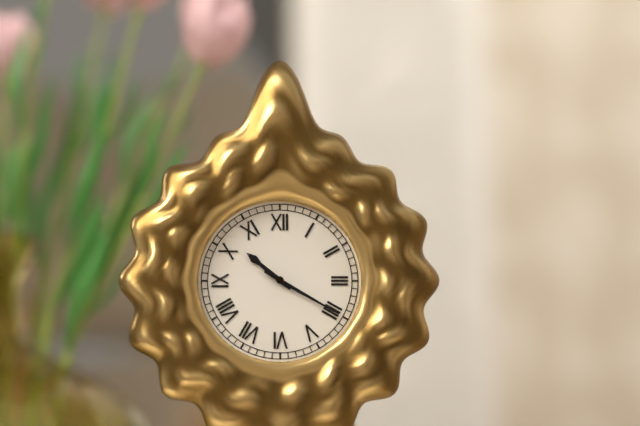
10:20
